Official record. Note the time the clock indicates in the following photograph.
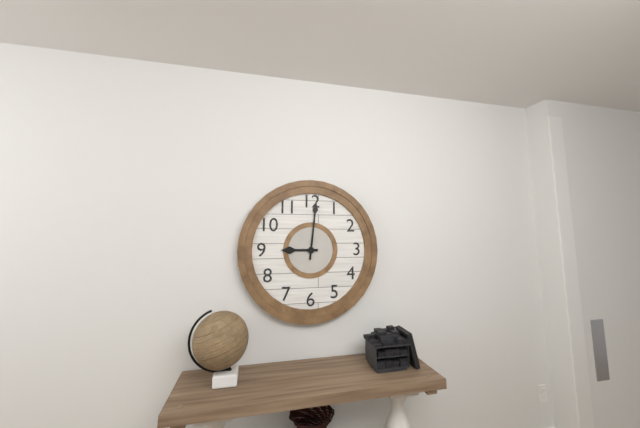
9:01
